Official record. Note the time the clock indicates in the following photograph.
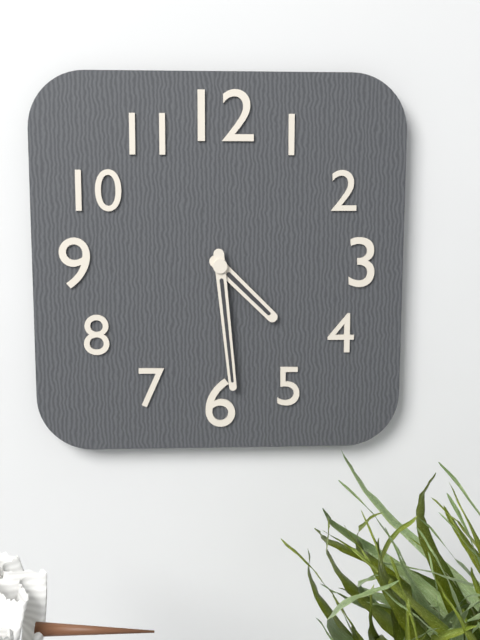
4:29
